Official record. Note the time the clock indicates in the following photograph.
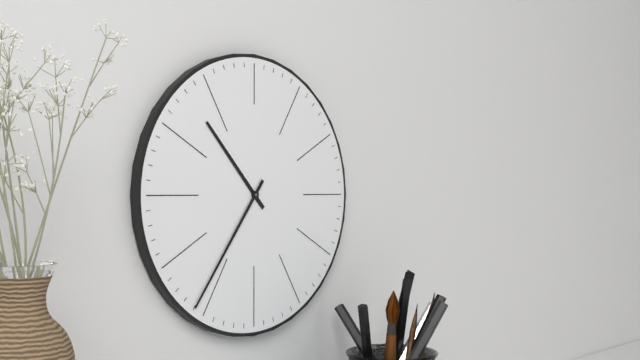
10:36
